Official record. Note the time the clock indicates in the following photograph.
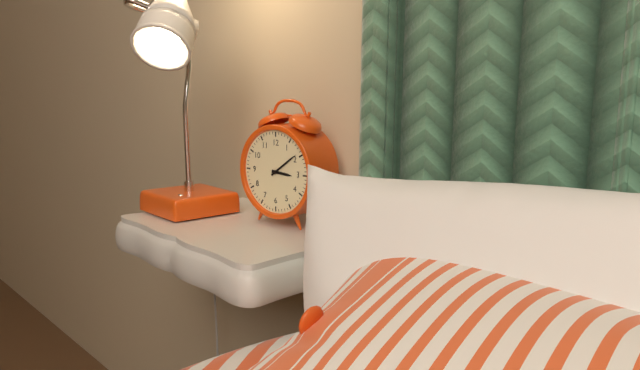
3:09
